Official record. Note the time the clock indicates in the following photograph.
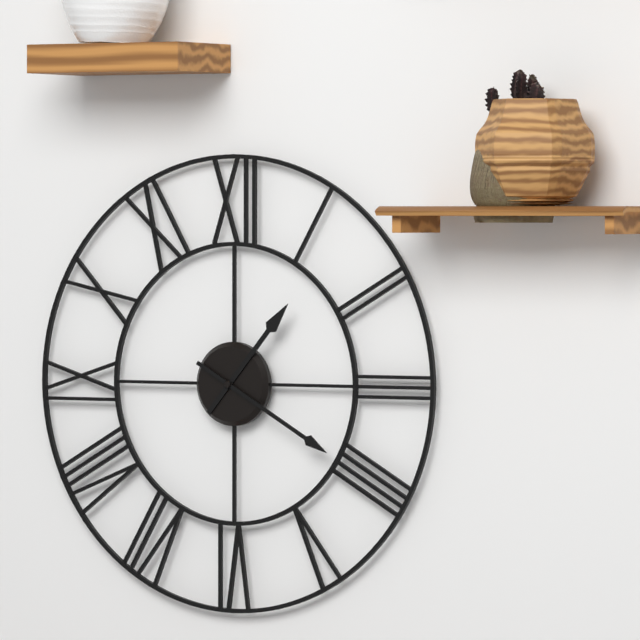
1:20
